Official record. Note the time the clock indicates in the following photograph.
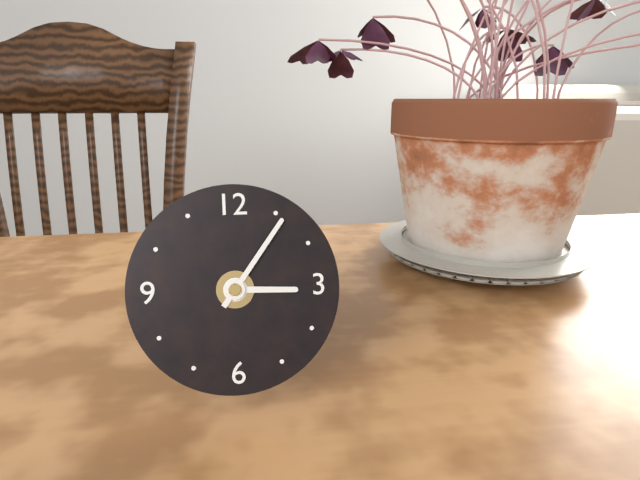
3:06
